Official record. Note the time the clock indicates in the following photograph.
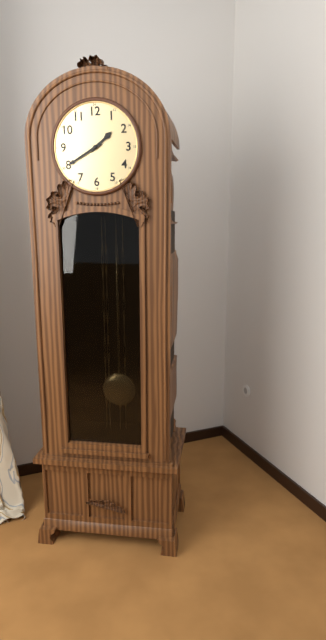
1:40
